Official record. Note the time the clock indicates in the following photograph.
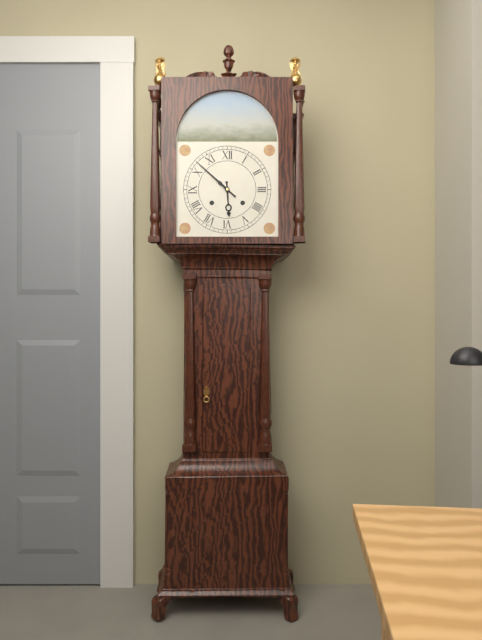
5:52
